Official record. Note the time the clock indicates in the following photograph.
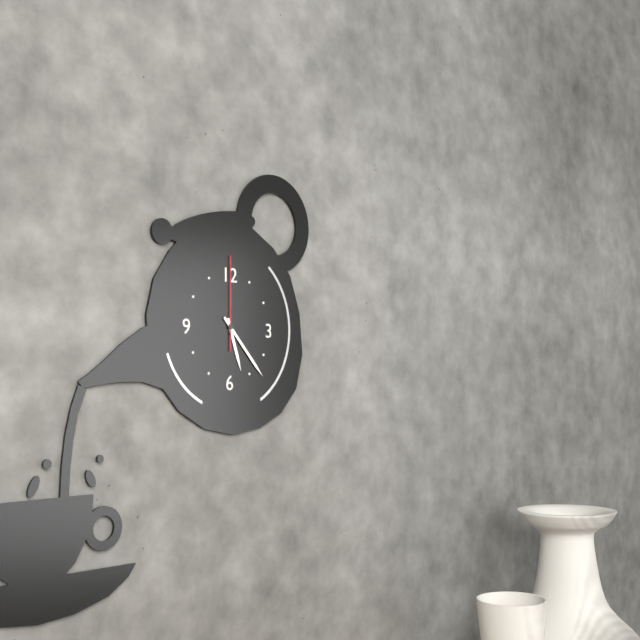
5:23:00
